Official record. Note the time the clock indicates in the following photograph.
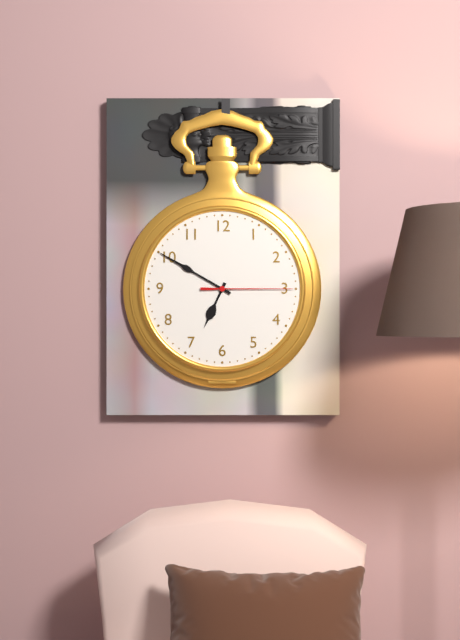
6:50:15
